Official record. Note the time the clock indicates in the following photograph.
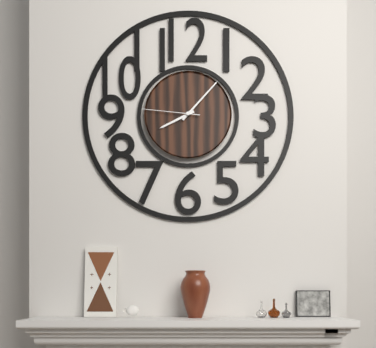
8:07:46
